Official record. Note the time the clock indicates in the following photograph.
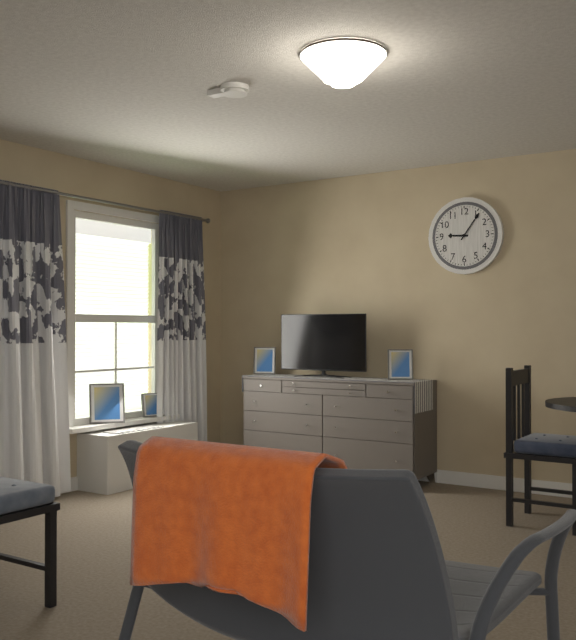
9:06
